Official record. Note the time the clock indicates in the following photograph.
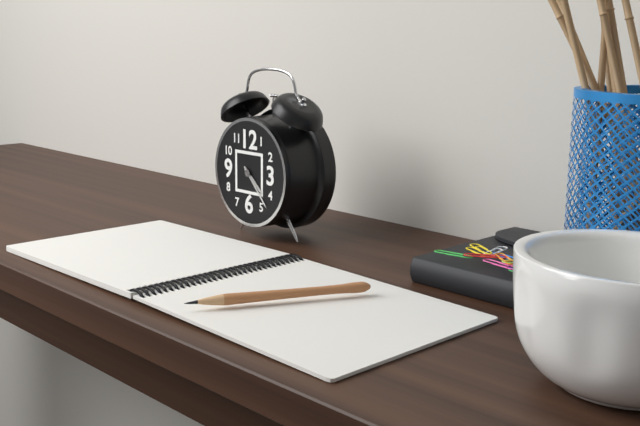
4:23
